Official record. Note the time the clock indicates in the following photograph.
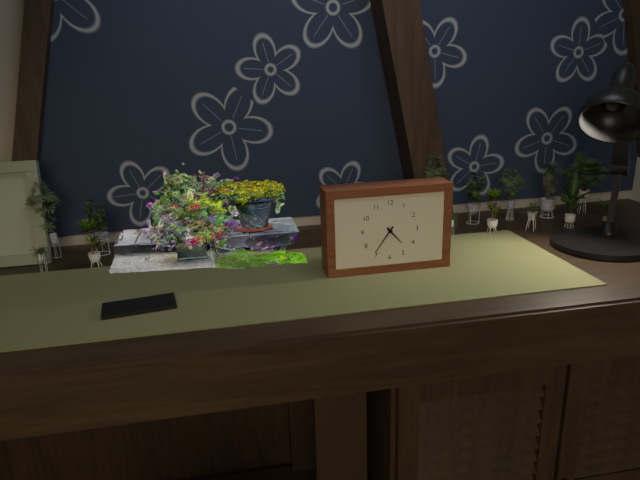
4:36
